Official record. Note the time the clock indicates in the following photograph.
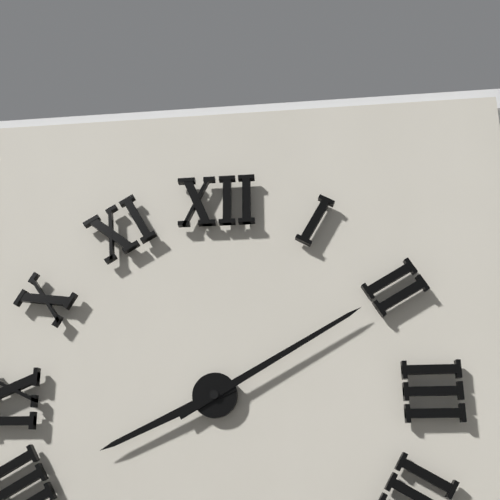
8:10
